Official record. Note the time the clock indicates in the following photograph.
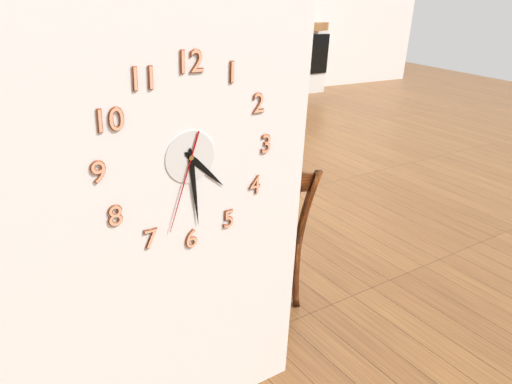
4:29:33
